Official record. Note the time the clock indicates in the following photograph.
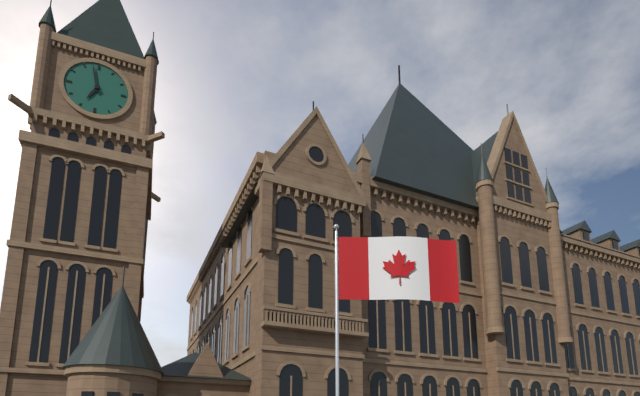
6:58
